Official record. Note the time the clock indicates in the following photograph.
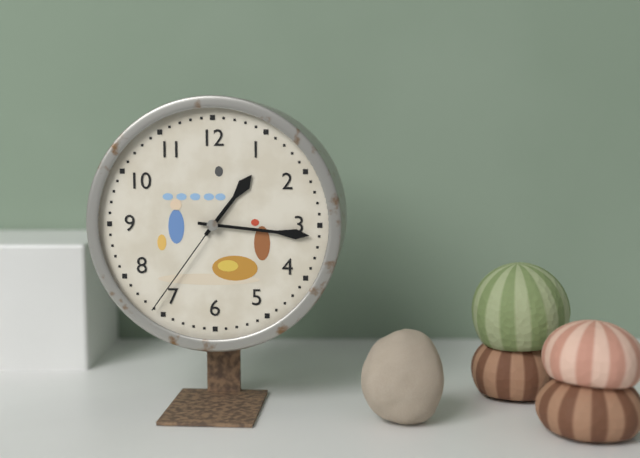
1:16:36
